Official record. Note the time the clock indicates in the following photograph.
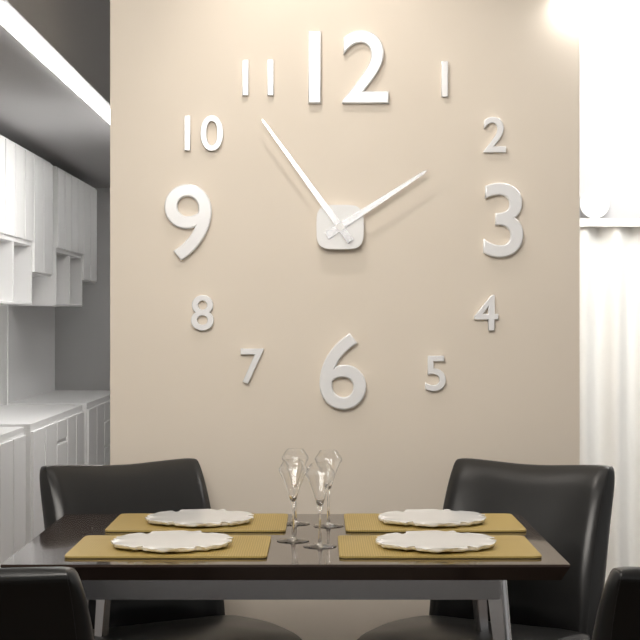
1:54
